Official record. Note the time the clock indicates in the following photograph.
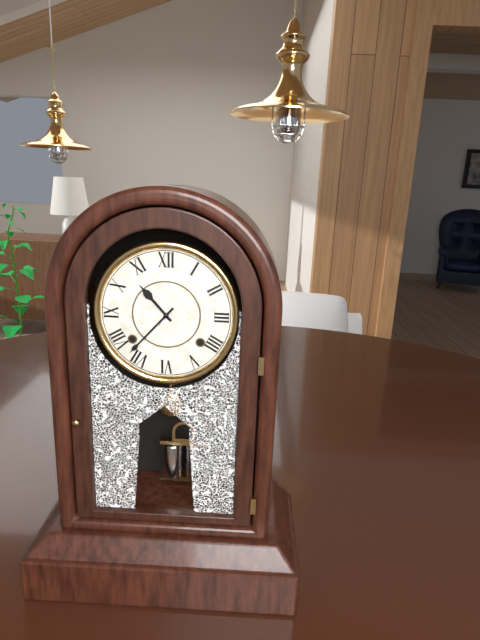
10:37
